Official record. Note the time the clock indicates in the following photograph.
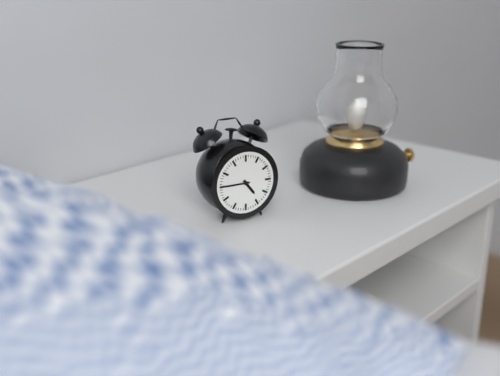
4:45
